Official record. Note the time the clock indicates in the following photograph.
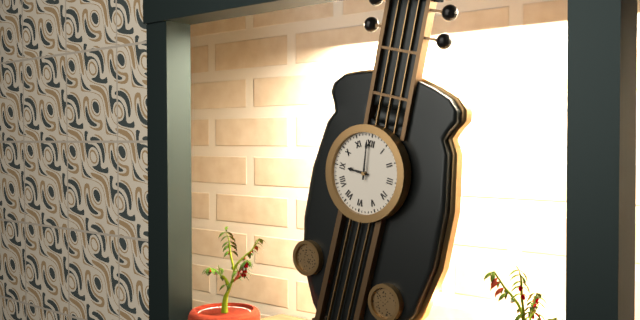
8:59
